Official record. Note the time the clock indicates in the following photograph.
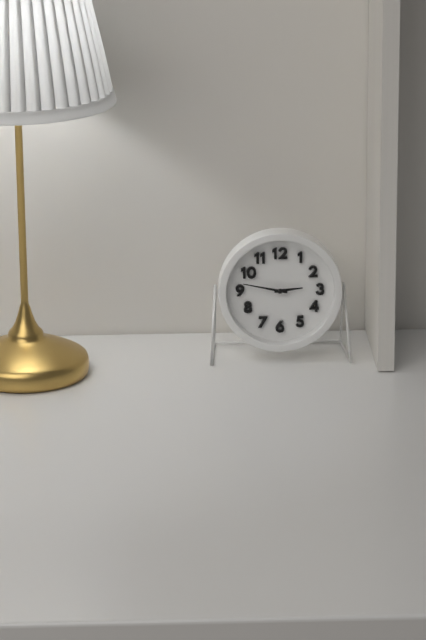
2:47
